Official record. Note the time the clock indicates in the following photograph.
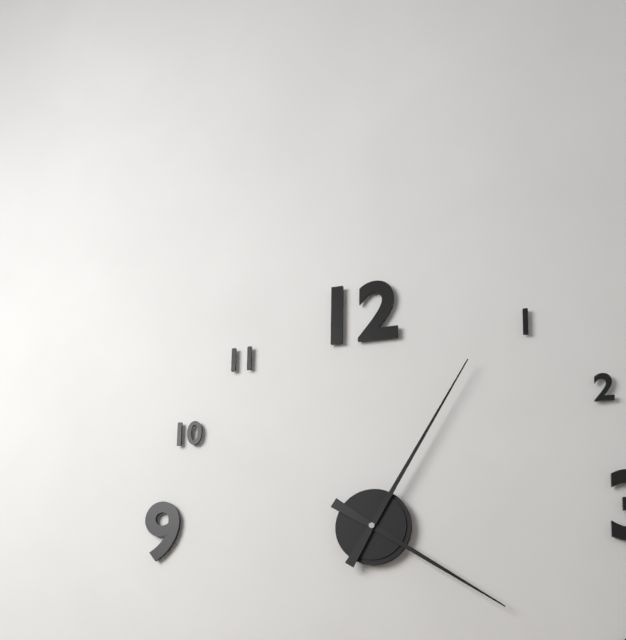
4:05
